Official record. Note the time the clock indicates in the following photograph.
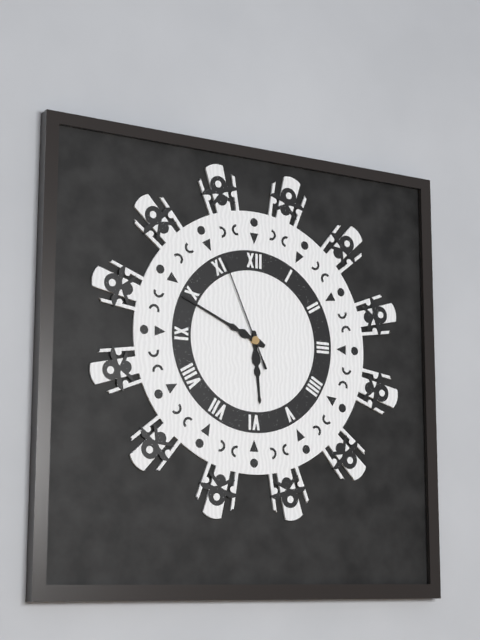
5:49:56
